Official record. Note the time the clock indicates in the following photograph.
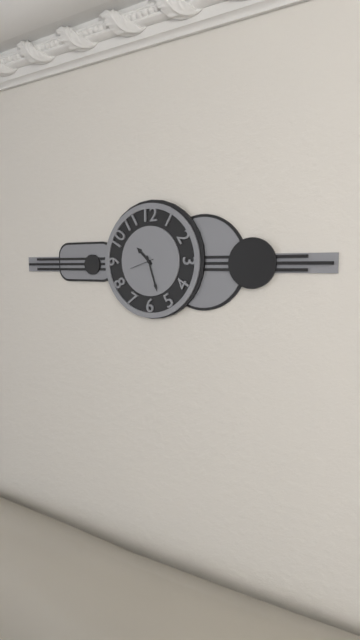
10:27
